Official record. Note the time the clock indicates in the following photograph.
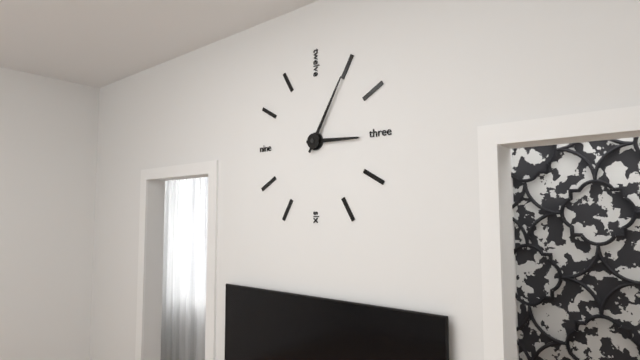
3:05
